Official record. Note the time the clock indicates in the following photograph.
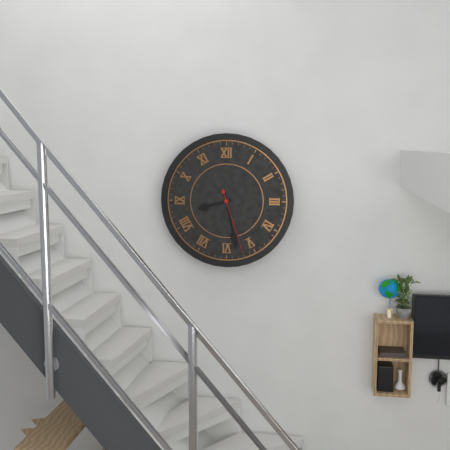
8:28:27
